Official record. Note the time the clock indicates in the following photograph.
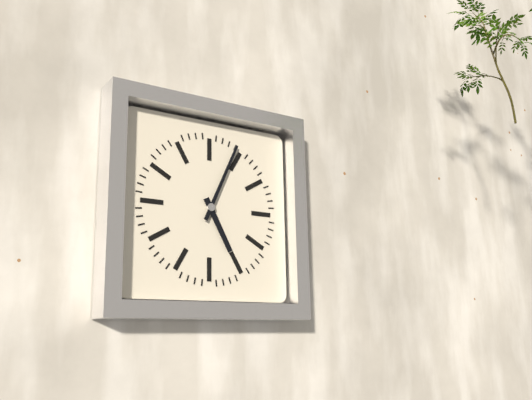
5:04
